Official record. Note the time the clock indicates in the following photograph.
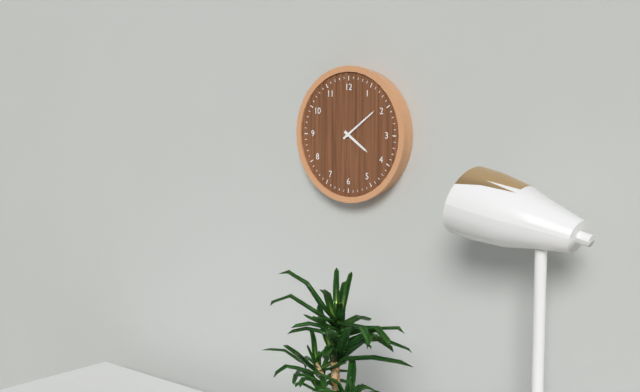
4:09
